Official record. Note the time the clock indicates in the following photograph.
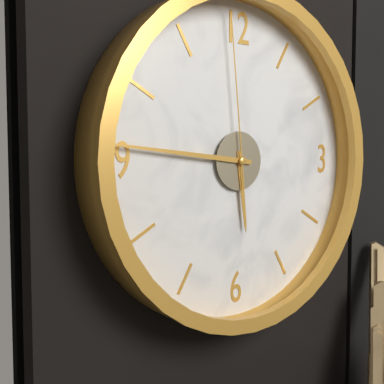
5:46:59
